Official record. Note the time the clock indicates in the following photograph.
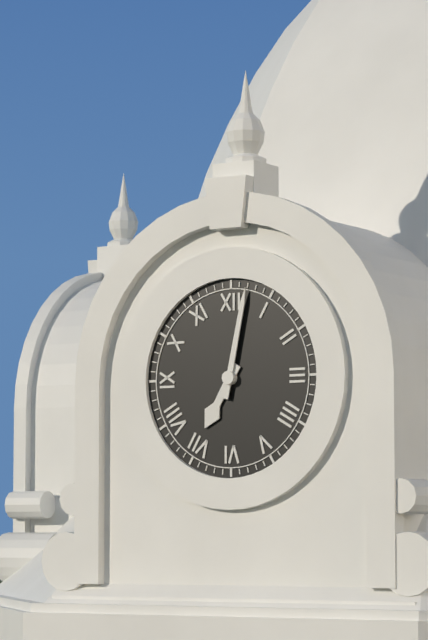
7:02
